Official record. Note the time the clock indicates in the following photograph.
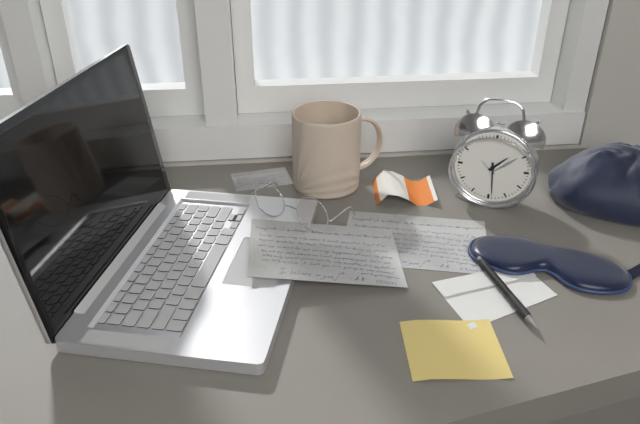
1:29
